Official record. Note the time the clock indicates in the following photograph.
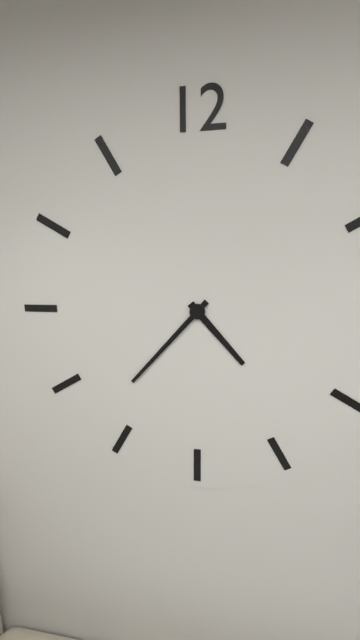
4:37
